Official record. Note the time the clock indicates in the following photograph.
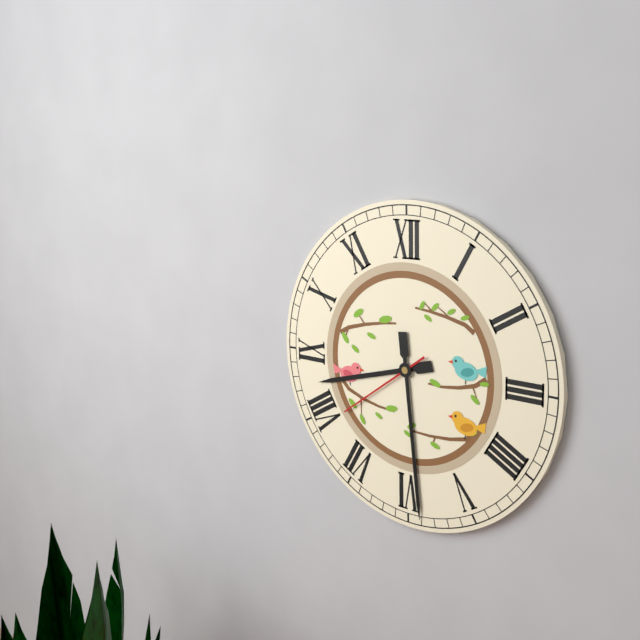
8:29:39
